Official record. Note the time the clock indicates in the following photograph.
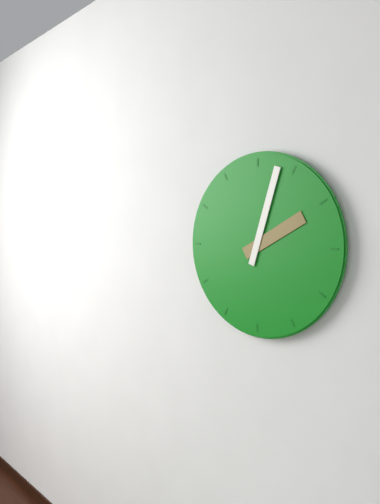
2:03
